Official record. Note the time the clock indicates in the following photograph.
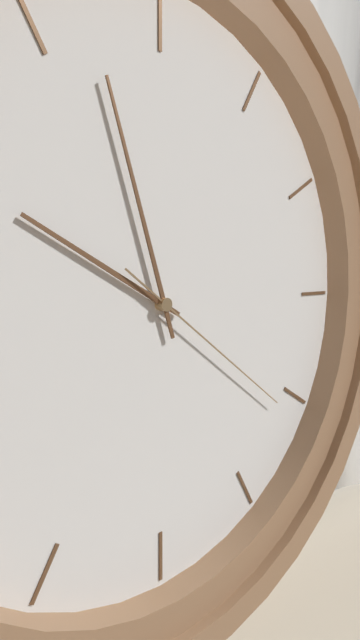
9:57:21
